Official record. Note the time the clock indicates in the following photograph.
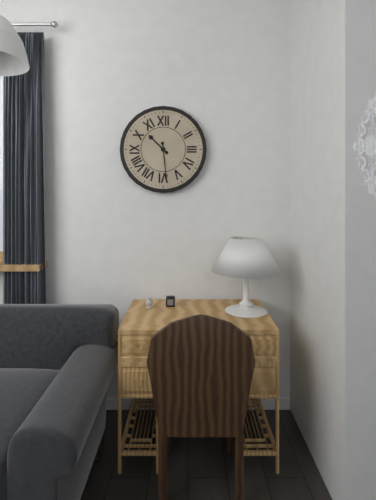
10:29
